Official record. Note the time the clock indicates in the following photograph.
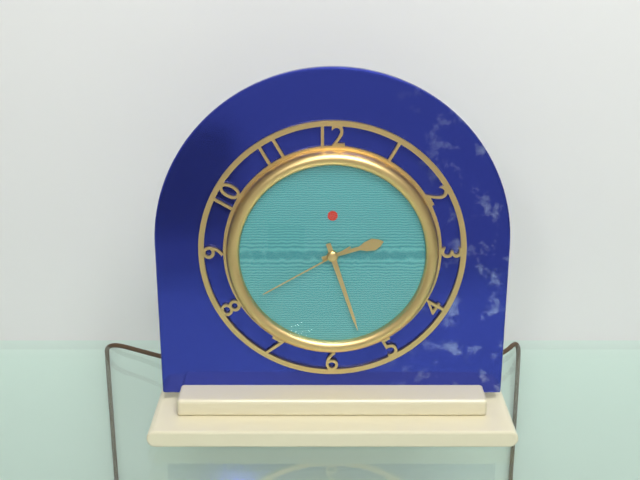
2:27:40
